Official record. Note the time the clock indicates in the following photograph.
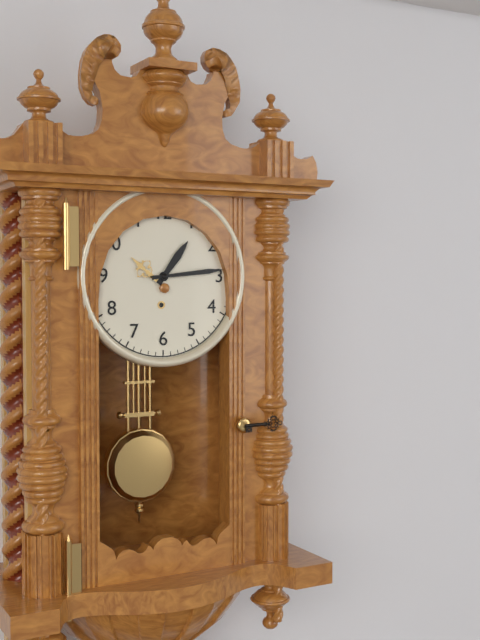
1:14
